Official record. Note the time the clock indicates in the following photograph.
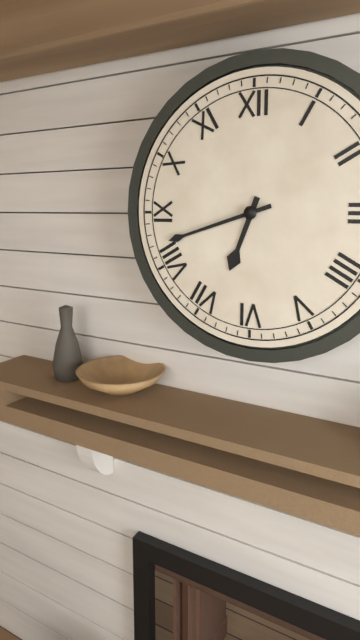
6:42
